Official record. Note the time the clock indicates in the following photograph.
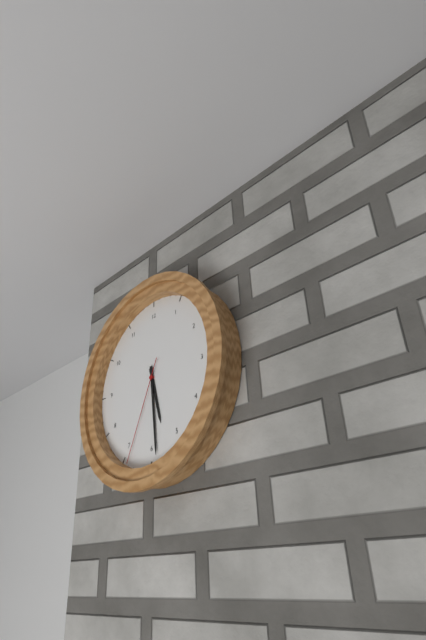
5:29:34
